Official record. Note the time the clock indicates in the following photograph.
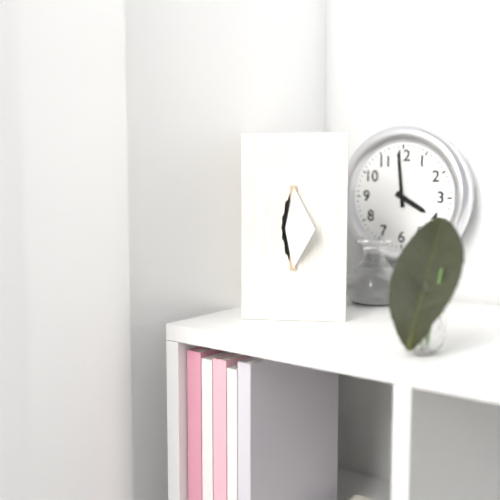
3:59
